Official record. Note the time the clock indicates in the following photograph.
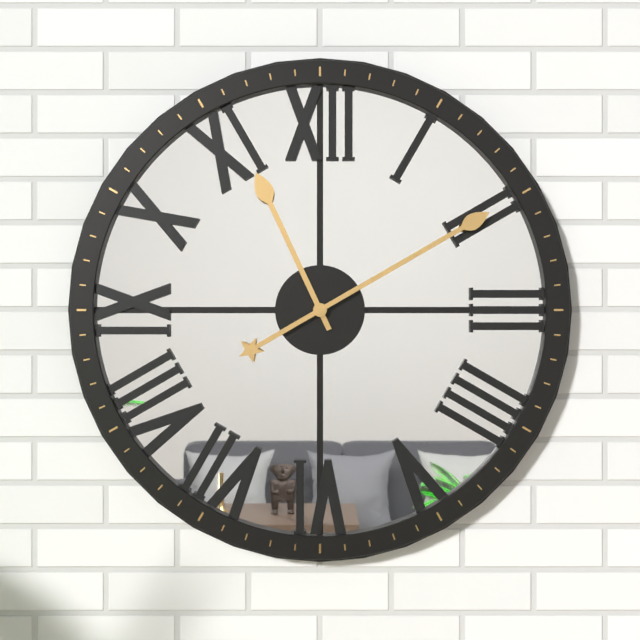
11:10
